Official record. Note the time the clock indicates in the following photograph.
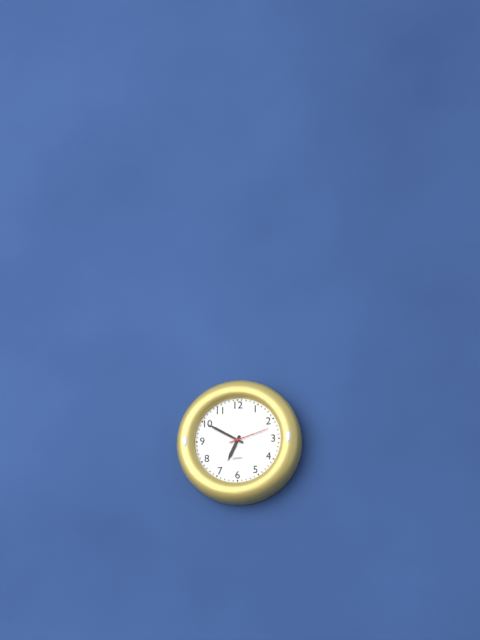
6:50
